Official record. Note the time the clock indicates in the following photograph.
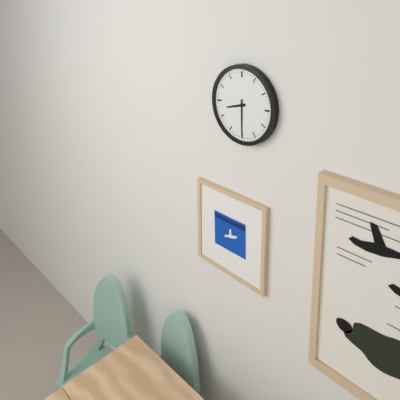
8:30
